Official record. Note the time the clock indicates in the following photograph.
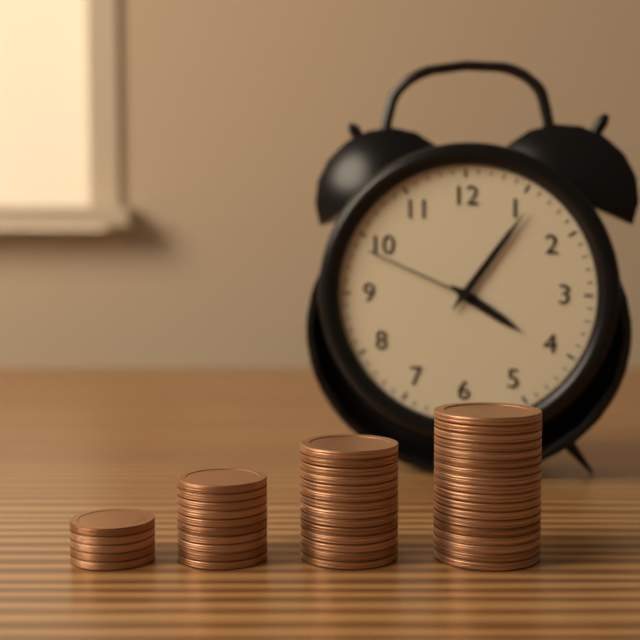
4:06:49
